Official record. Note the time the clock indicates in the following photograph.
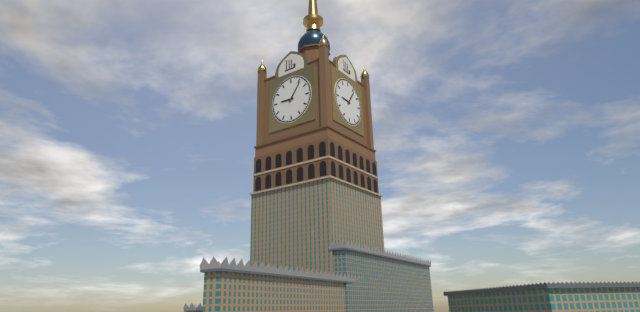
9:06
